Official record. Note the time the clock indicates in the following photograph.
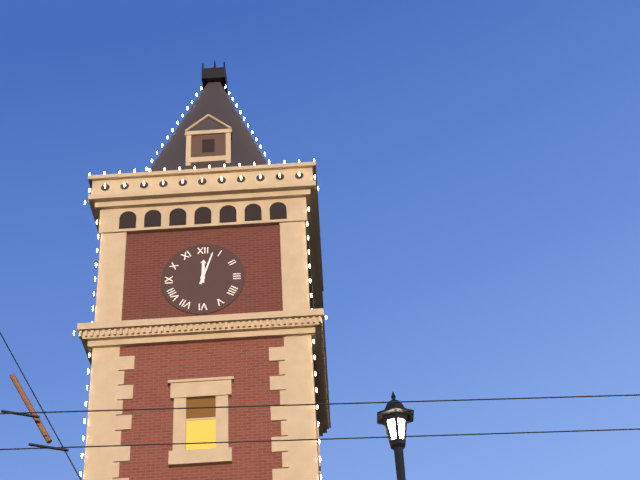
12:03
